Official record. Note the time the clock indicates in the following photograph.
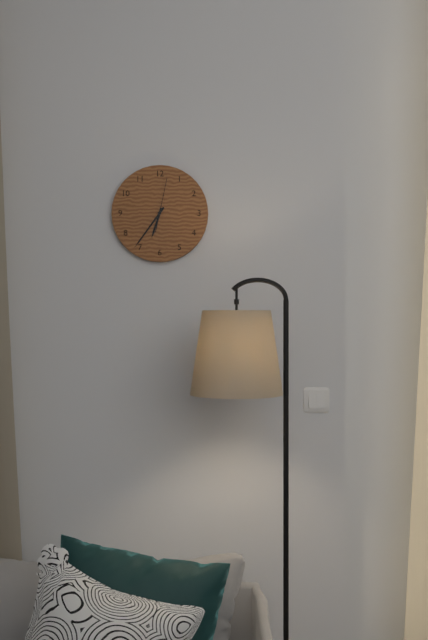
6:36
